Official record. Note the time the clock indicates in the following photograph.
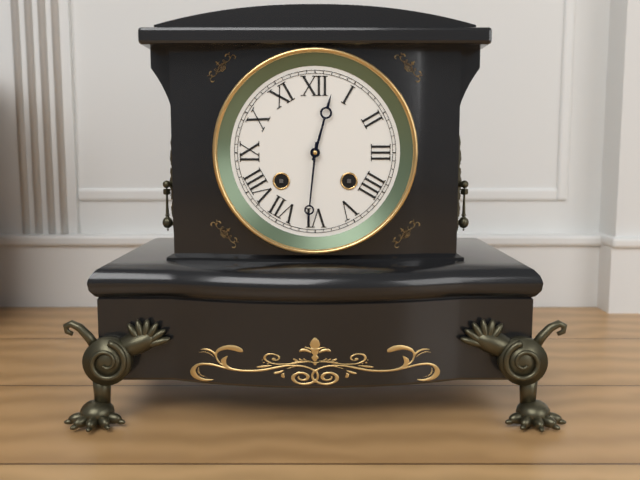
12:31
